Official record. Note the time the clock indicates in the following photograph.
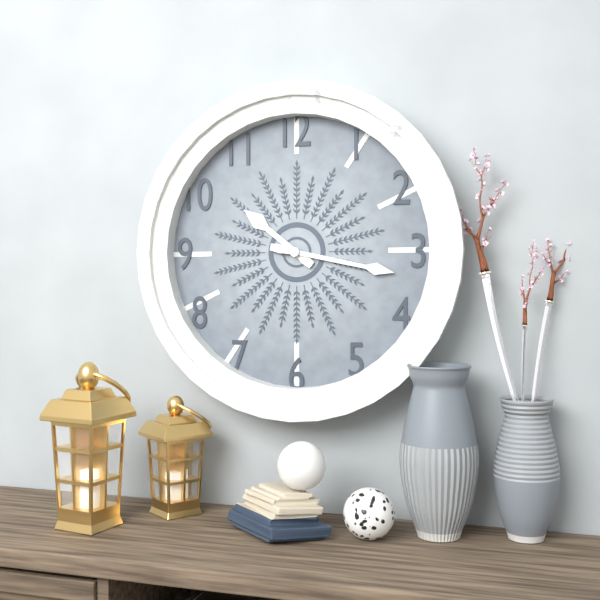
10:17
